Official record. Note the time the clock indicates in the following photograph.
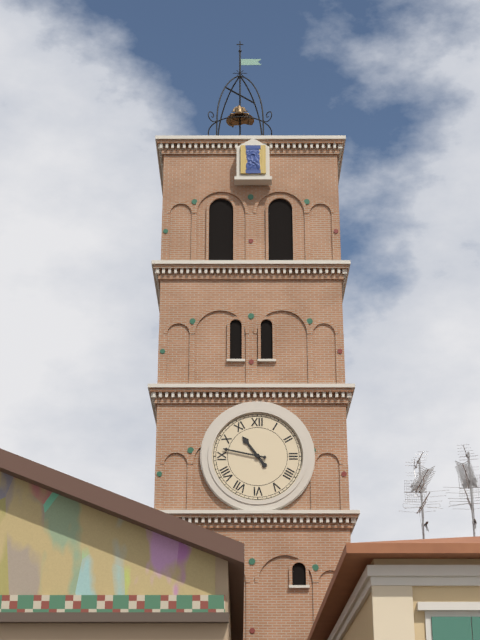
10:47
